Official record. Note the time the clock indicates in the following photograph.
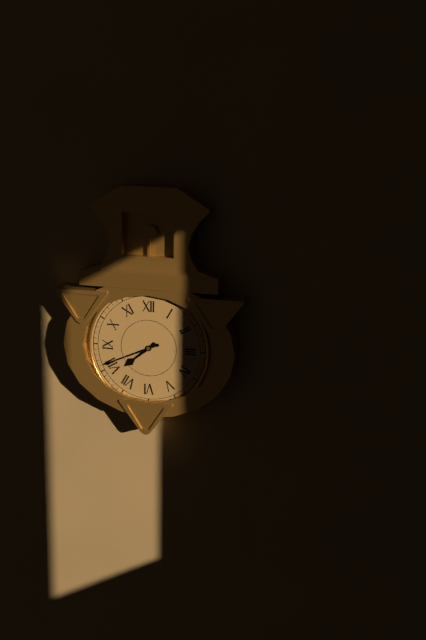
7:41
